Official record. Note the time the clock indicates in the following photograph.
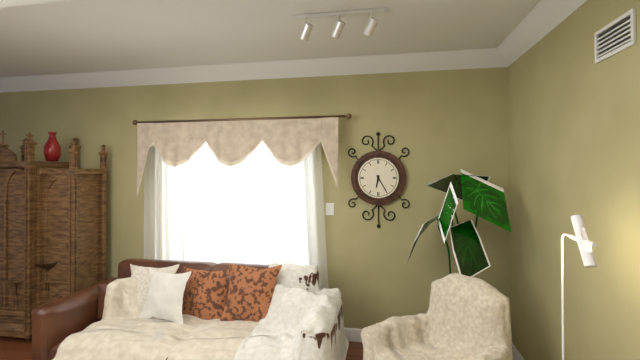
6:25
